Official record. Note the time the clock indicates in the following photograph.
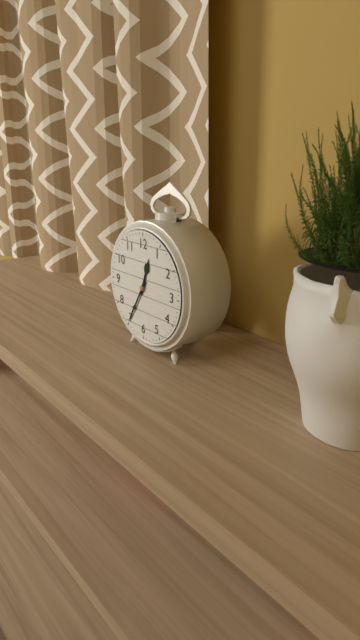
12:35
